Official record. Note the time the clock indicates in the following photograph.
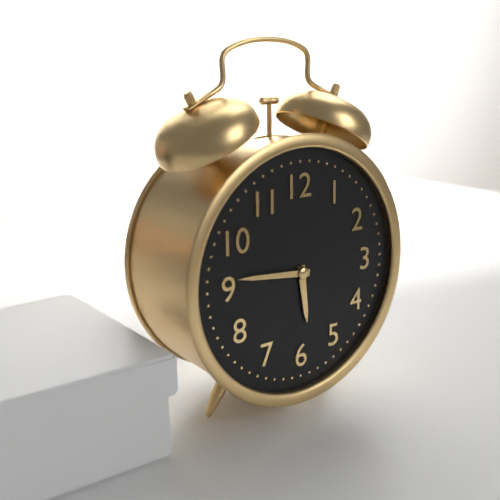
5:46
